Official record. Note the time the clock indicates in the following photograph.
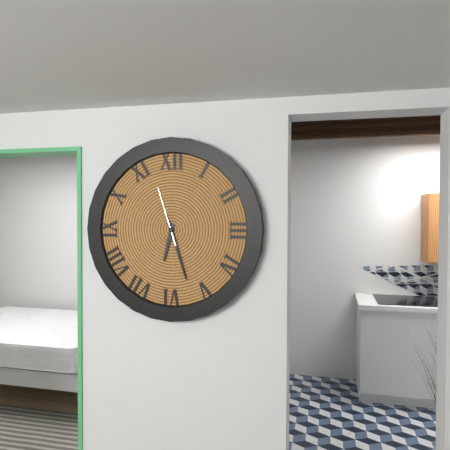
6:27:57
